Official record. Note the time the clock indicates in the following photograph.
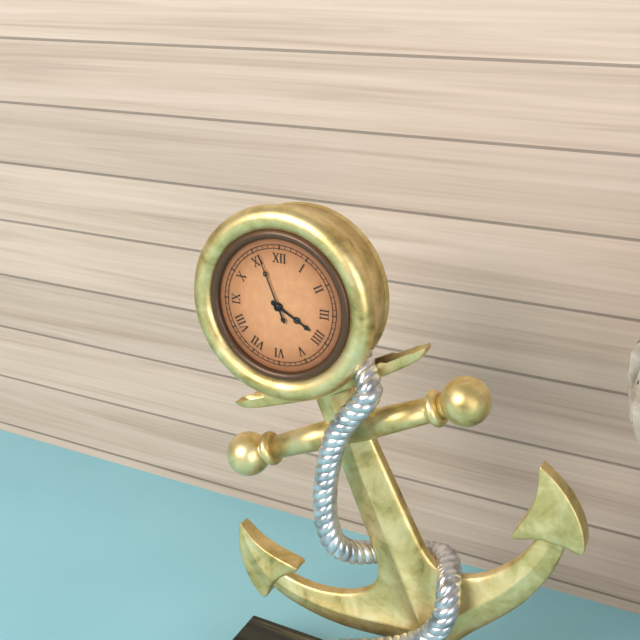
3:56
